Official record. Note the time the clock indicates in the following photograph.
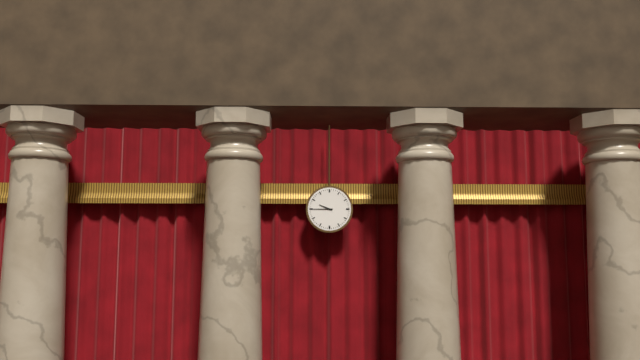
9:45
